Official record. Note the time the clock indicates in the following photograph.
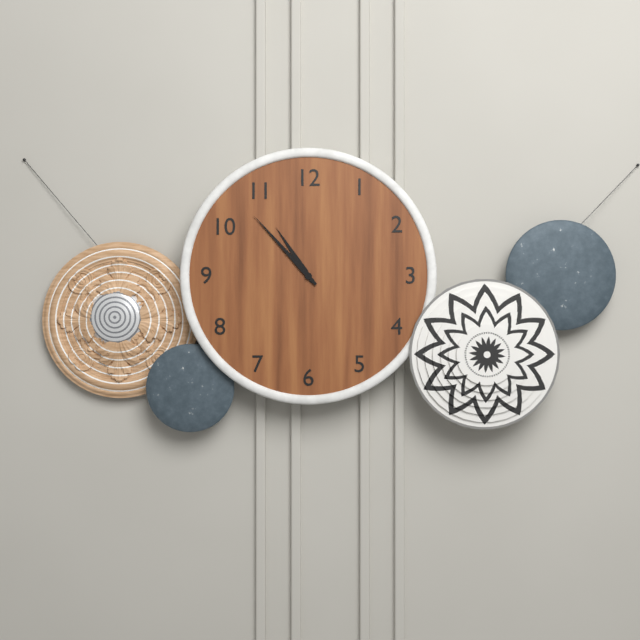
10:53
